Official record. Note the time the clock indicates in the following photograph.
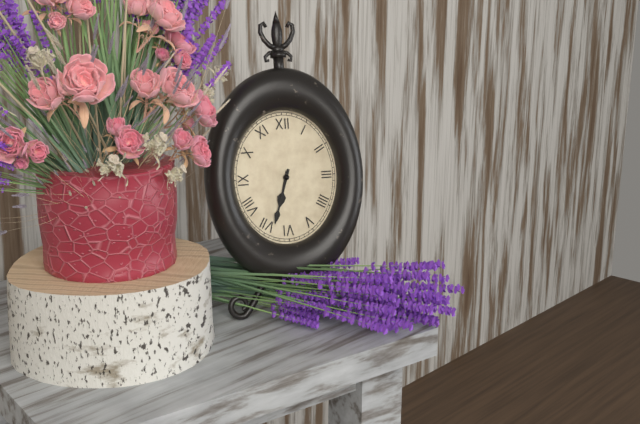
6:33
